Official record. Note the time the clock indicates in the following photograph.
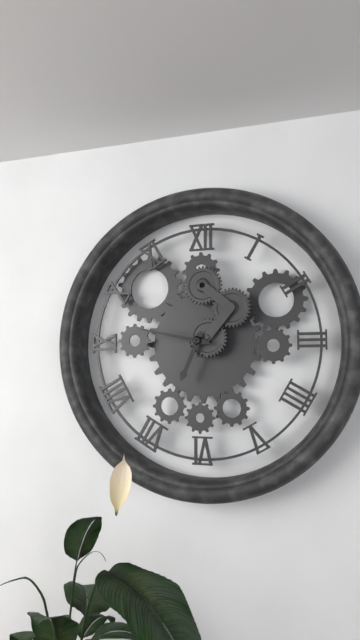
6:47
